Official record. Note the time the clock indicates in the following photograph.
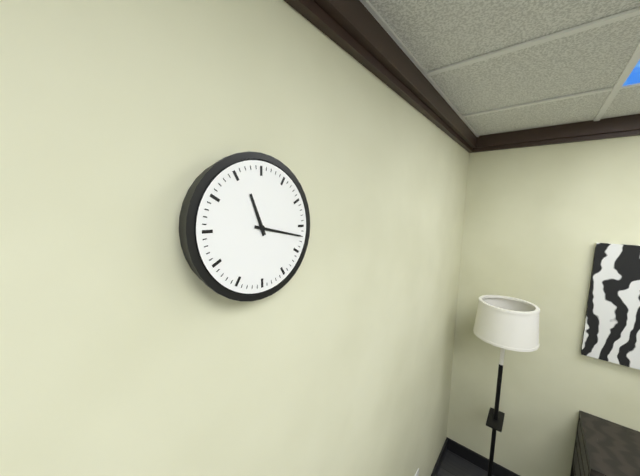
11:17
